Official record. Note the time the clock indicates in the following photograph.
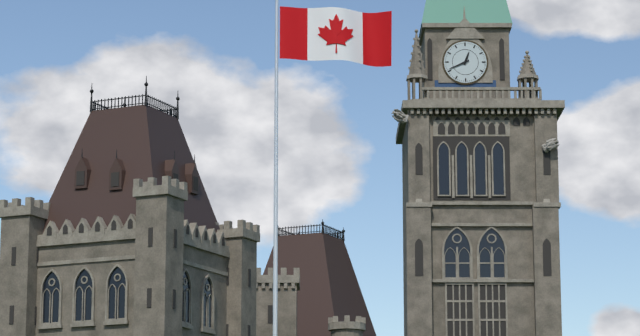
12:41
